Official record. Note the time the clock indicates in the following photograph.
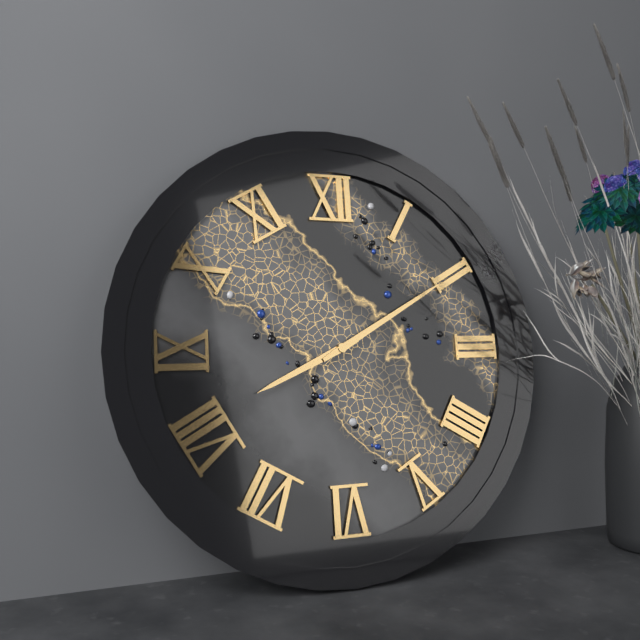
8:10
